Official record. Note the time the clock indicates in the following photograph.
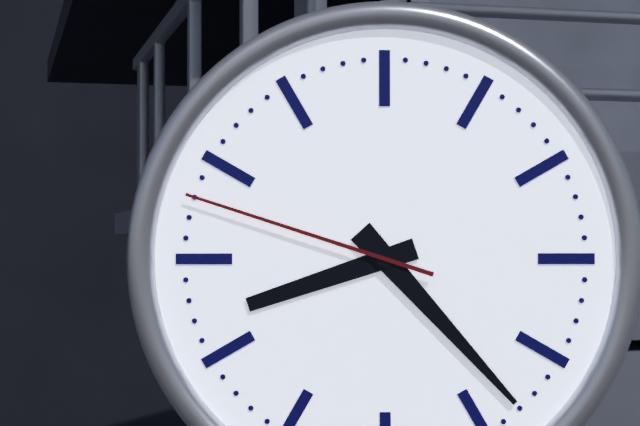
8:23:48
